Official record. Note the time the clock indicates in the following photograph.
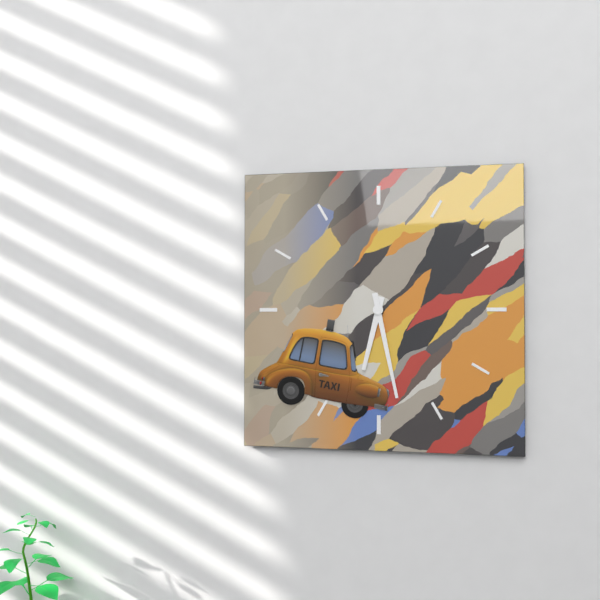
6:28
